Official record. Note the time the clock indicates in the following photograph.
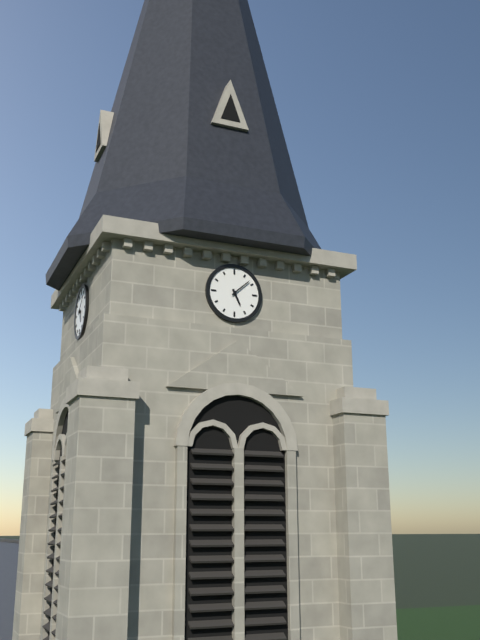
5:08
